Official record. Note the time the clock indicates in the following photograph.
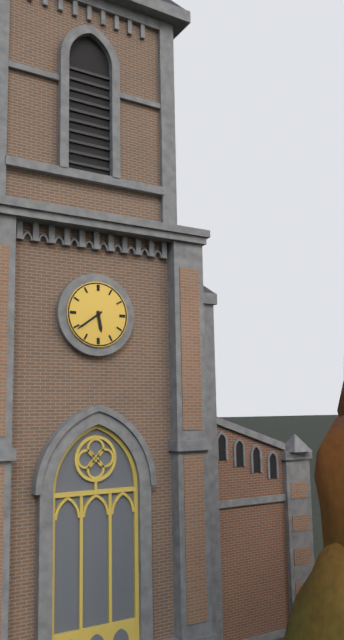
5:39
